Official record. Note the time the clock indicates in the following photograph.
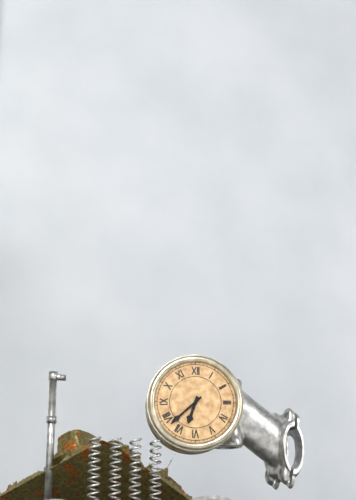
6:38
